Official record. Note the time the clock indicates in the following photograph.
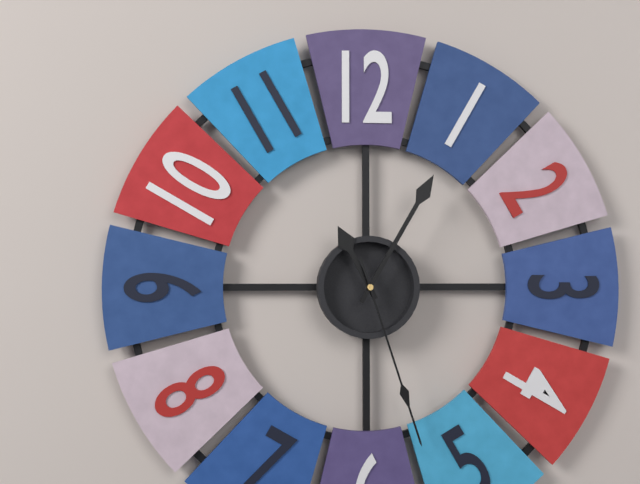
11:05:27
